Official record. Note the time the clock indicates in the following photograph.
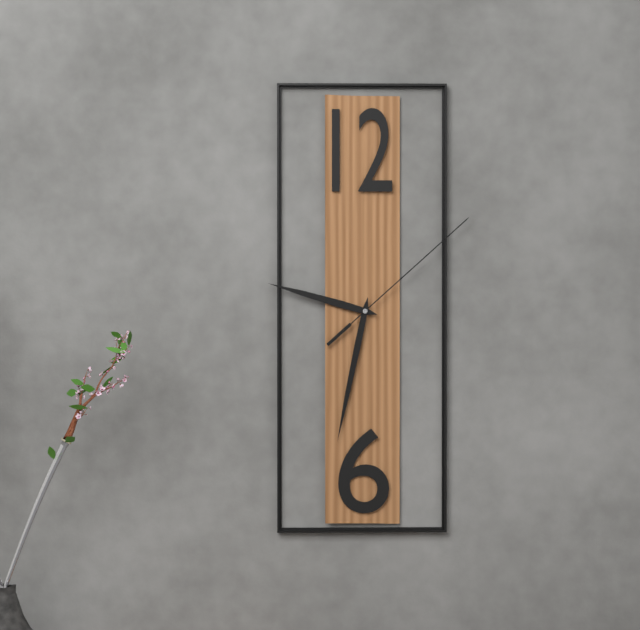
9:32:08
